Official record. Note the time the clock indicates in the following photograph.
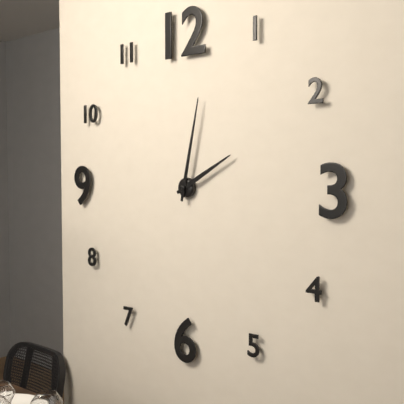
2:02
